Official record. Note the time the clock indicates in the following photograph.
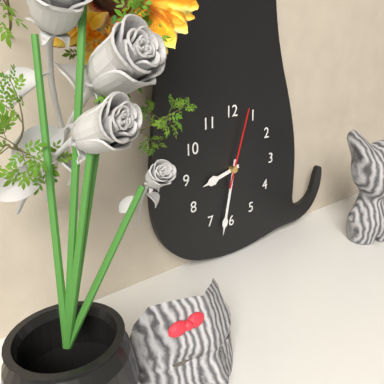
8:32:03
